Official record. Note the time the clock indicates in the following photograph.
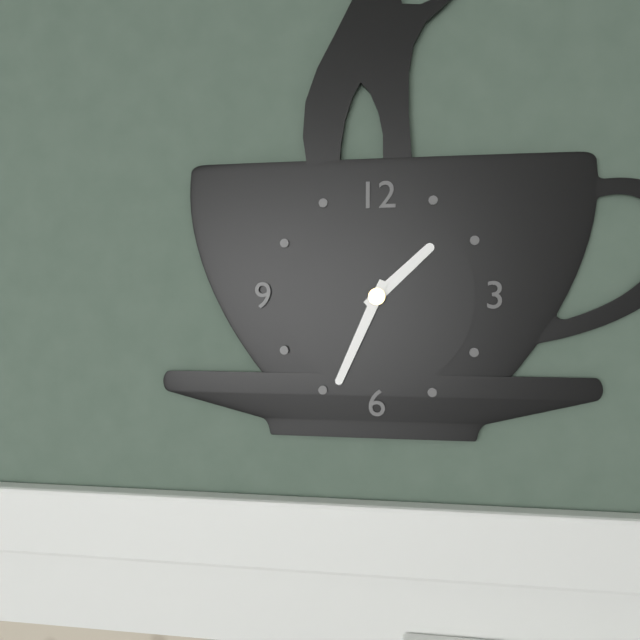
1:34
